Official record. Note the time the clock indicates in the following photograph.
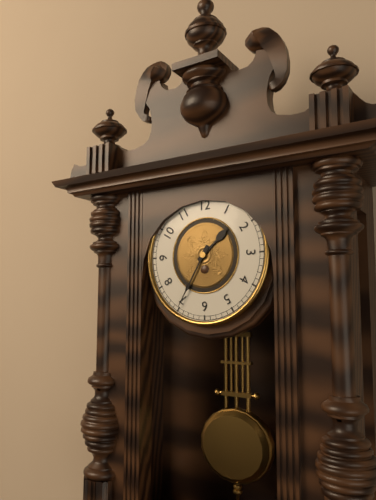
1:35
